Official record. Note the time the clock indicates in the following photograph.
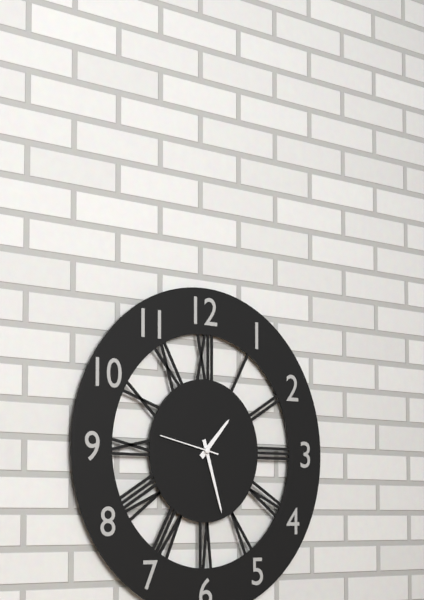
1:27:47
